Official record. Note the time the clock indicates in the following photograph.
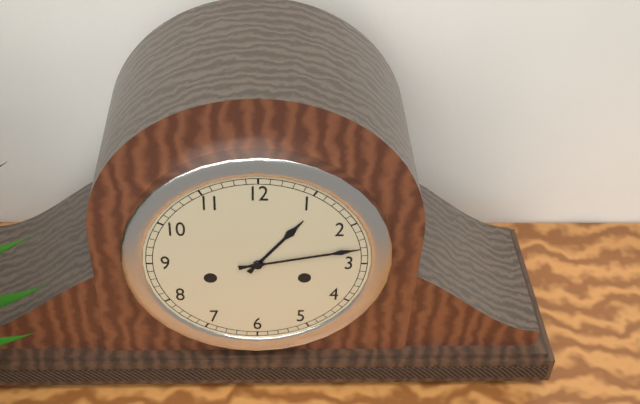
1:13
